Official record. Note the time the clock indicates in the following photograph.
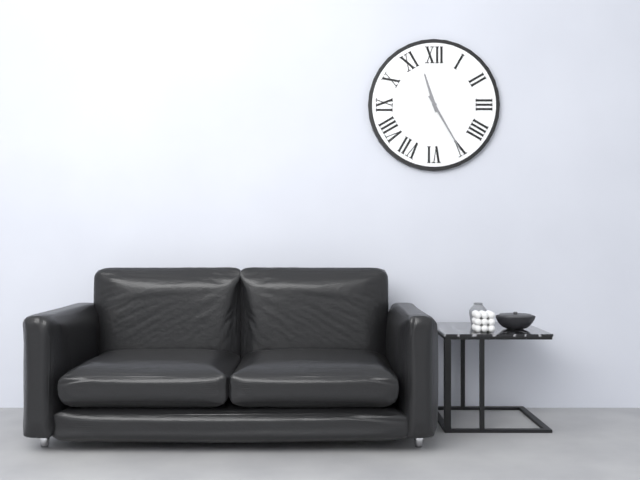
11:25
